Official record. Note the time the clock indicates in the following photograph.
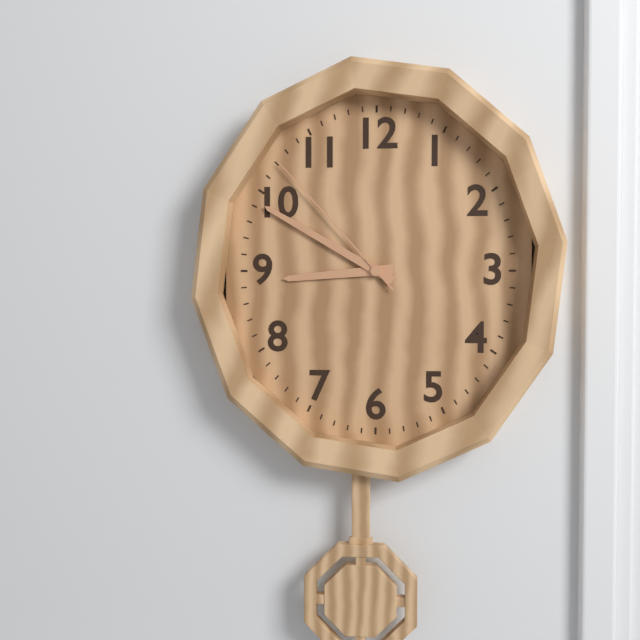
8:50:53
